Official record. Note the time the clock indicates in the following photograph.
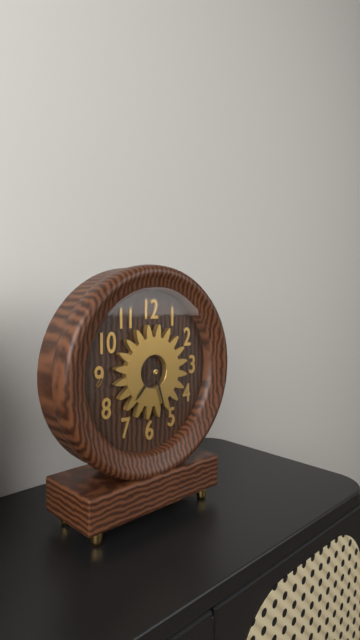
7:27
